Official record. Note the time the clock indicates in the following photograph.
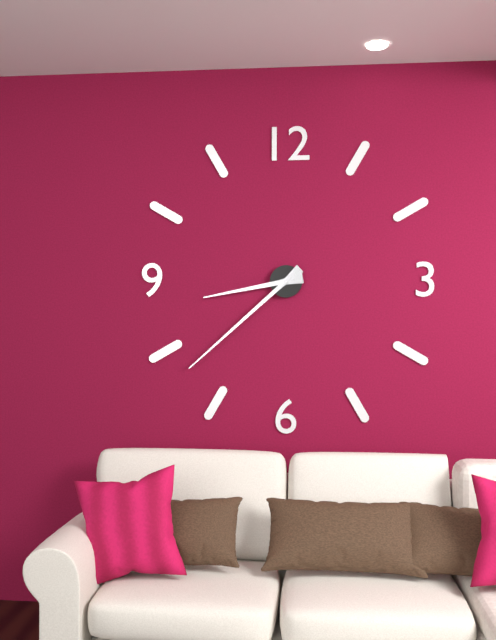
8:38
